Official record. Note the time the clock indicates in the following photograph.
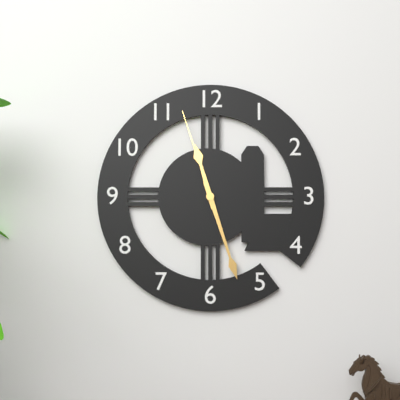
11:27:57
